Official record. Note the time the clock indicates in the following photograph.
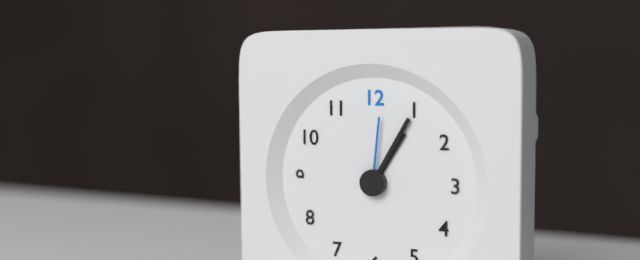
1:05:01
